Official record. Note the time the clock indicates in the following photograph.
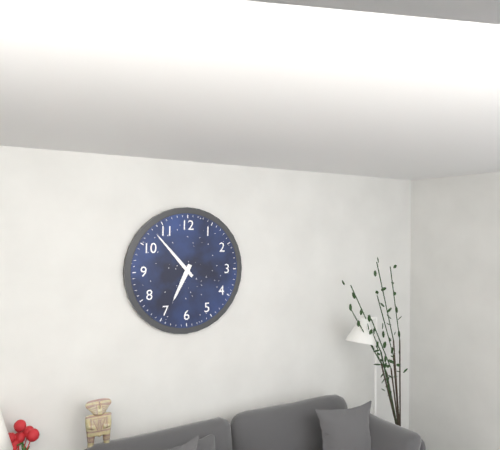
6:53
